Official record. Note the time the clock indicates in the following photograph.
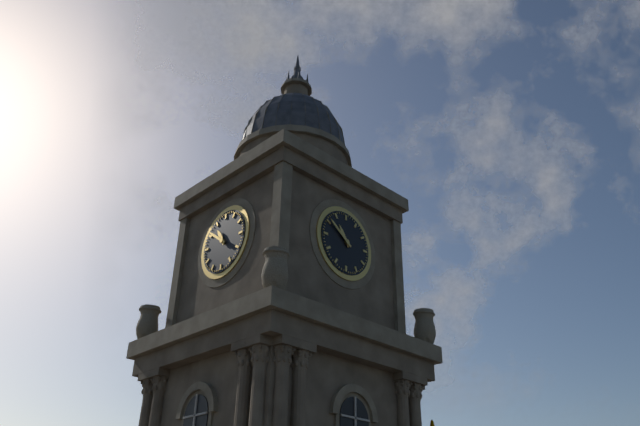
10:51
